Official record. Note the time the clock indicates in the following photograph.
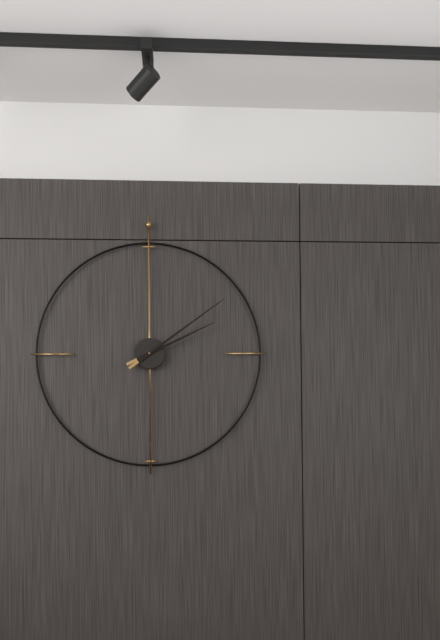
2:09
